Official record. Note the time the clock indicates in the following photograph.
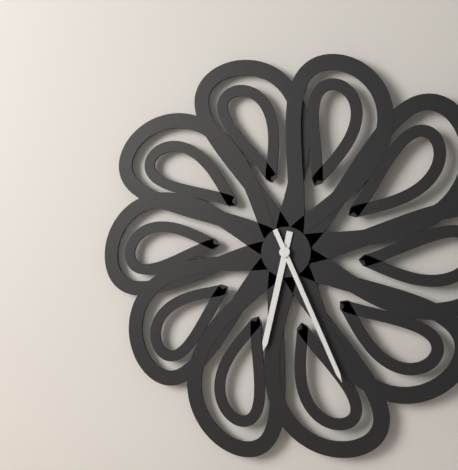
6:26
